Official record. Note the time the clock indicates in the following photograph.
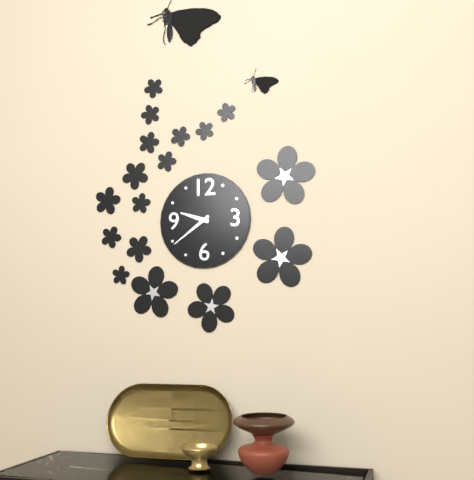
9:39
